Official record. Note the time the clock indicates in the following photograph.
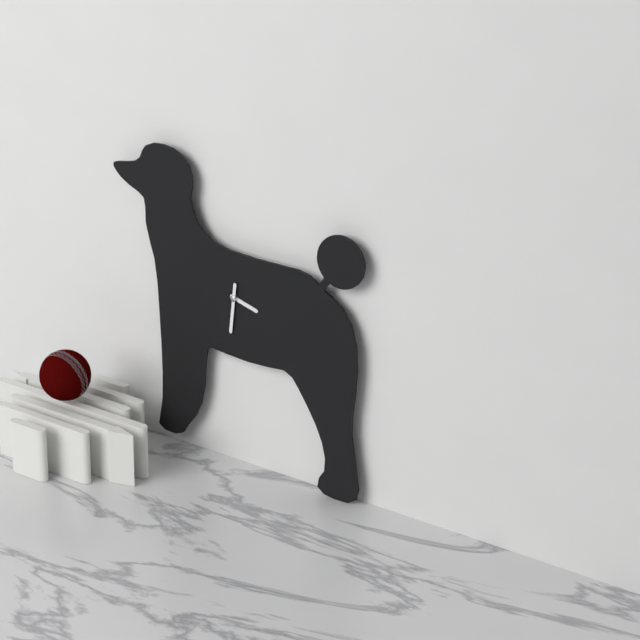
3:31
